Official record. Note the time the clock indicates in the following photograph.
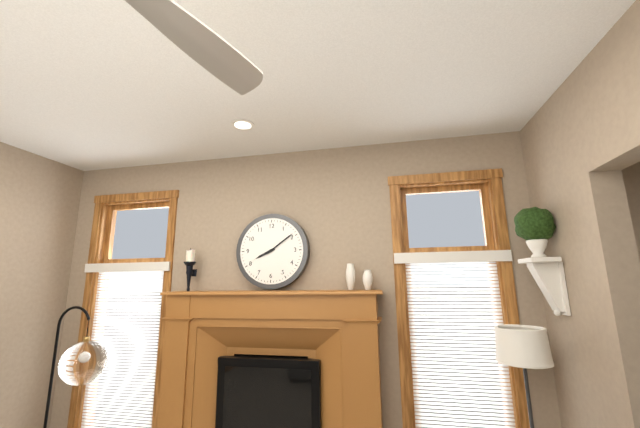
8:09
